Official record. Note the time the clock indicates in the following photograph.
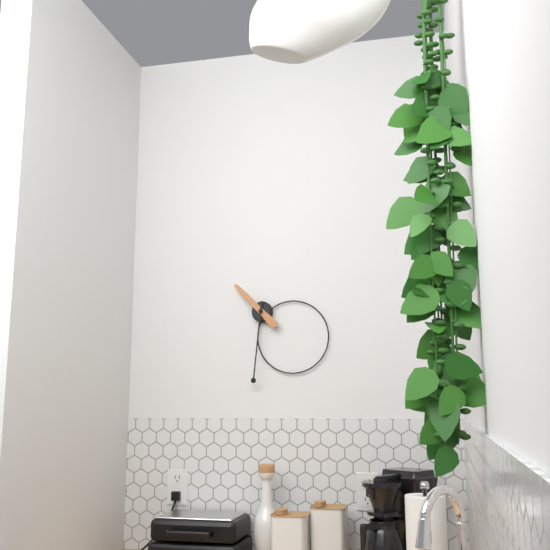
10:31
